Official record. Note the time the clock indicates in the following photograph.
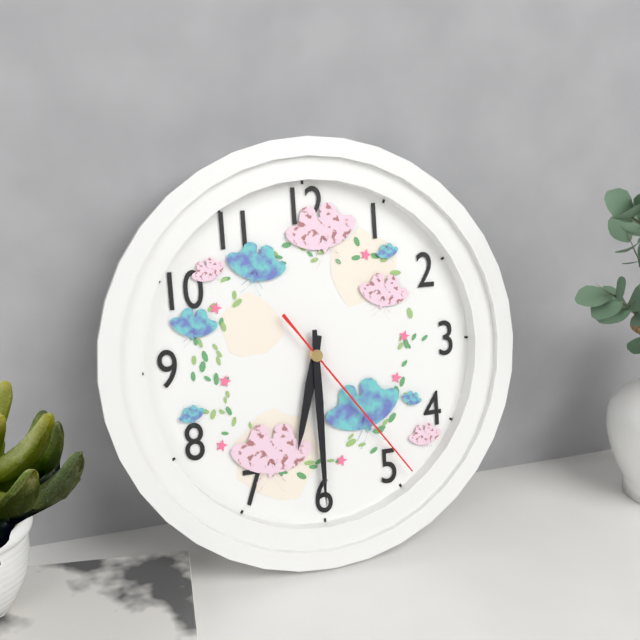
6:30:24
